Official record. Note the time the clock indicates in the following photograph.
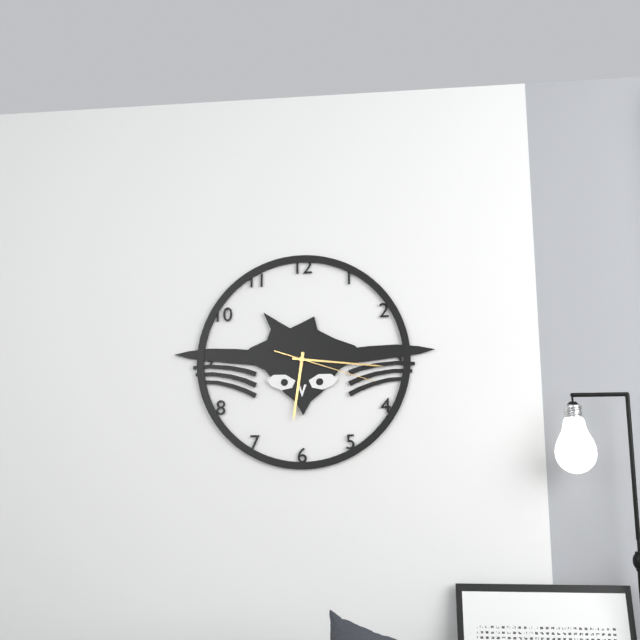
6:16:18
